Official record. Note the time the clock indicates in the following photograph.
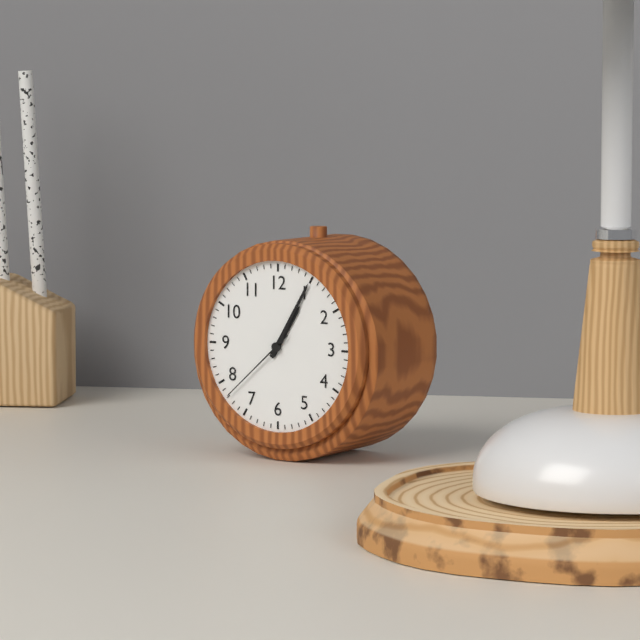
1:05:38
